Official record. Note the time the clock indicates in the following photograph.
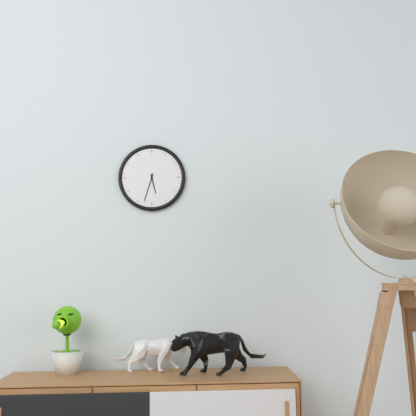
5:33
